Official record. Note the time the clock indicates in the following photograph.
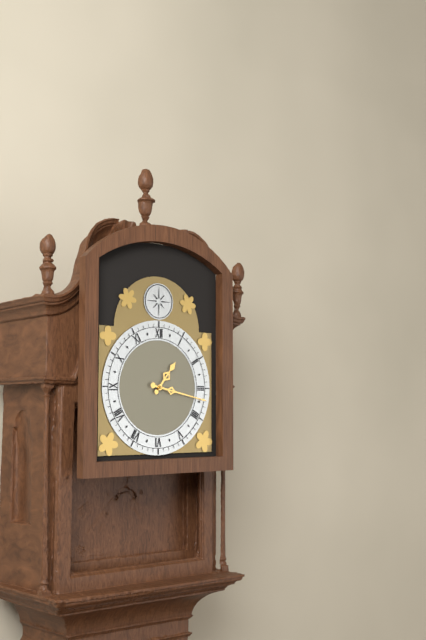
1:17
